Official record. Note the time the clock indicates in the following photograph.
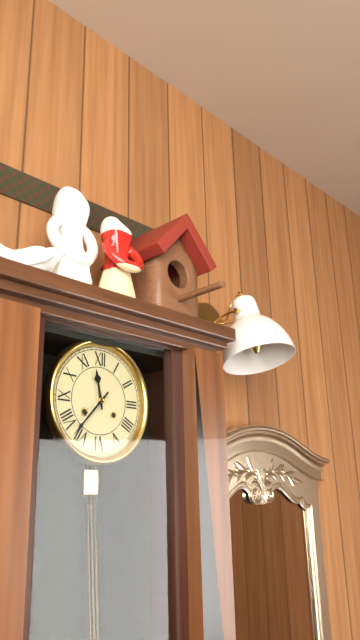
11:37
